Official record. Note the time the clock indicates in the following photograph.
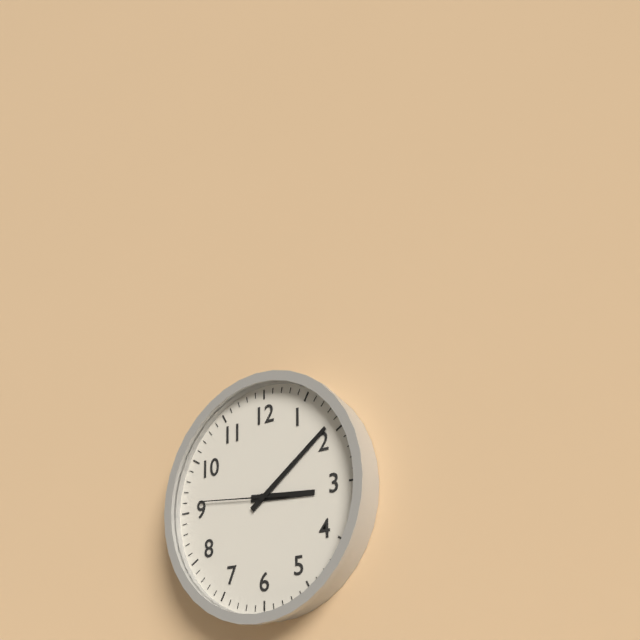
3:09:46
